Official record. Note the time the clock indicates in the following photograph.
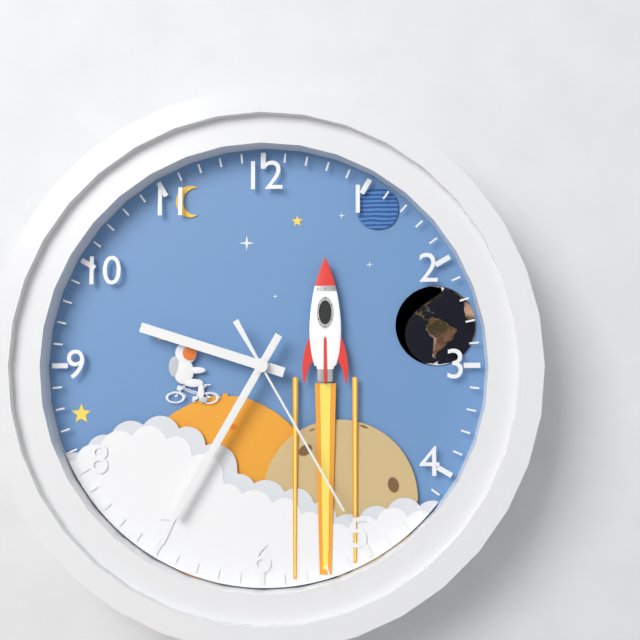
9:35:25
